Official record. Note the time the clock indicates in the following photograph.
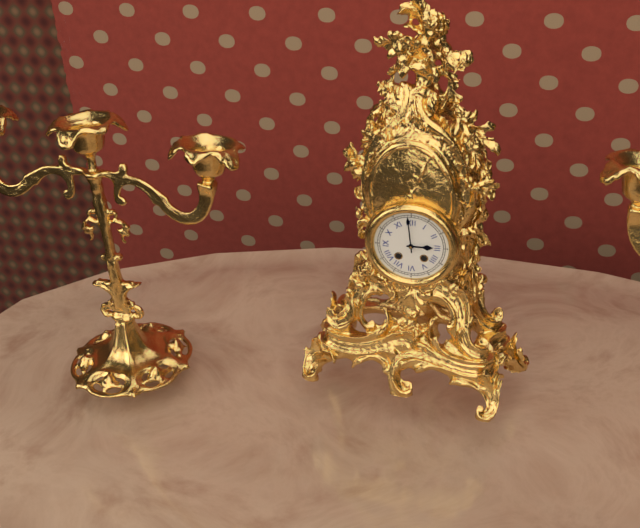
2:59
